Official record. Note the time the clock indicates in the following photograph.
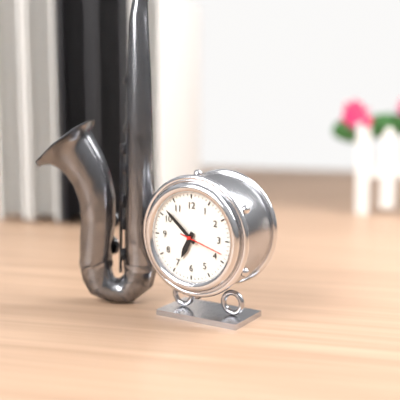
6:52
